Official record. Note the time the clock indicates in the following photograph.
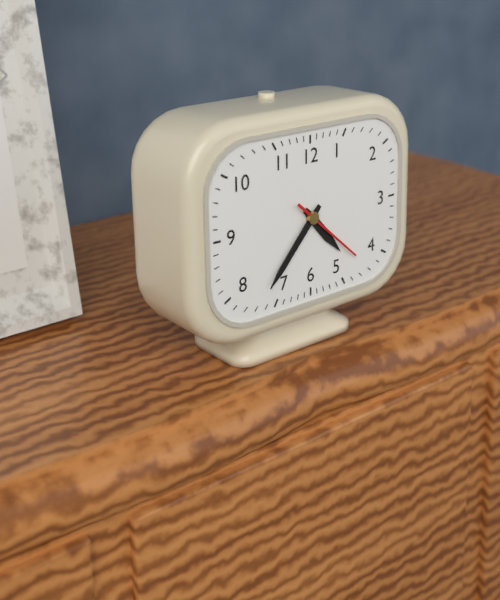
4:37:22
